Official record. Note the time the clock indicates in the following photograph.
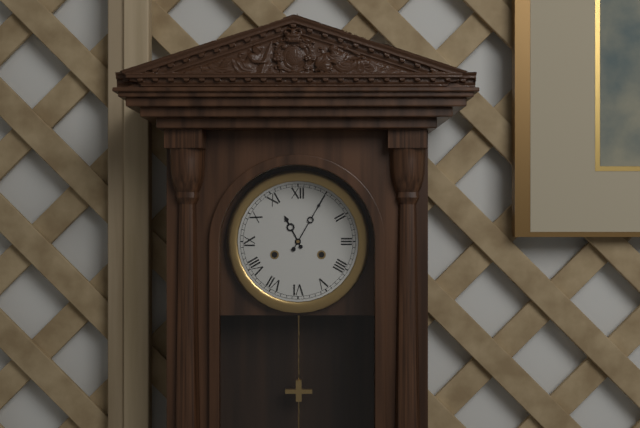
11:05
